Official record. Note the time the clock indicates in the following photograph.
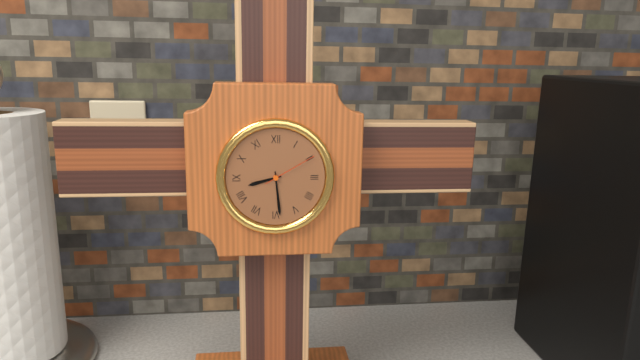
8:29:10
